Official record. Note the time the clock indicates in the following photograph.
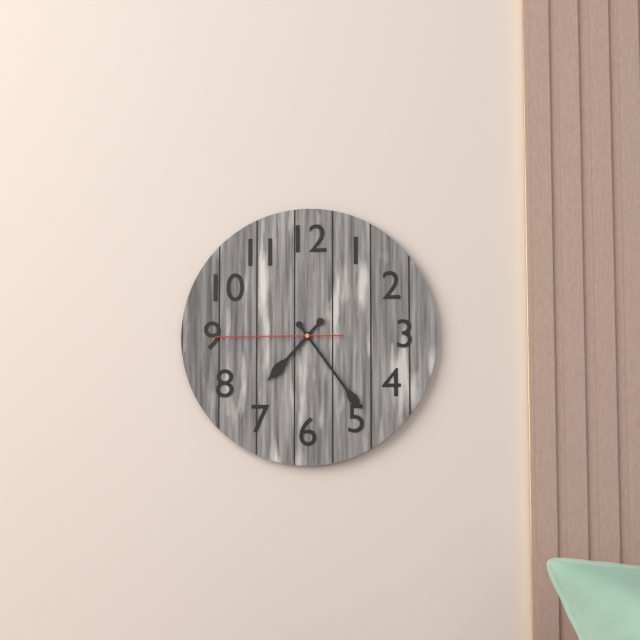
7:24:45
